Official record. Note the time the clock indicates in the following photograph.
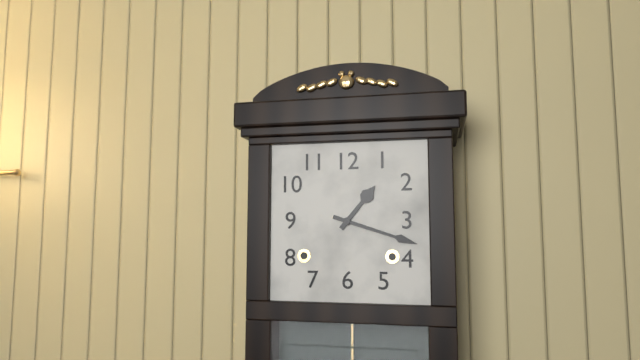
1:18
